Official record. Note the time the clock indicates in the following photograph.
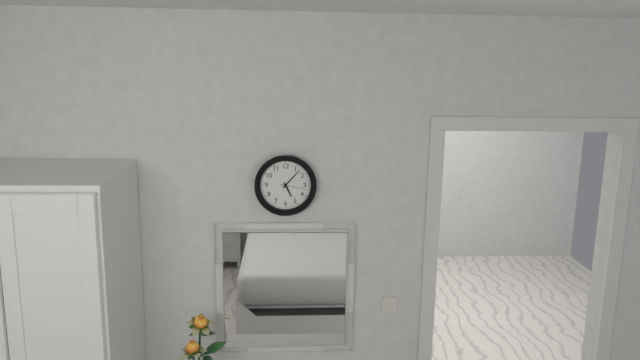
5:07
